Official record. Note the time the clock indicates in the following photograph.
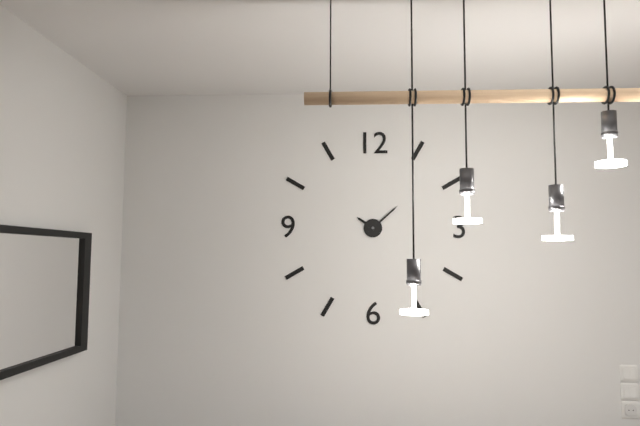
10:08
